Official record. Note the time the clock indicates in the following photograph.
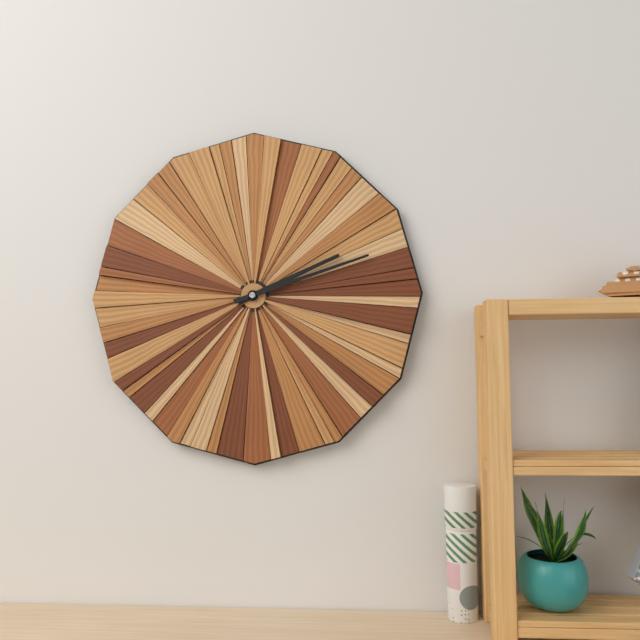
2:12
